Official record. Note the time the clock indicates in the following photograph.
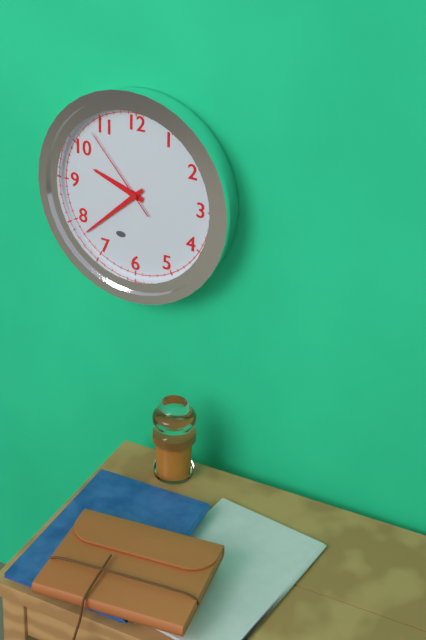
9:38:53
